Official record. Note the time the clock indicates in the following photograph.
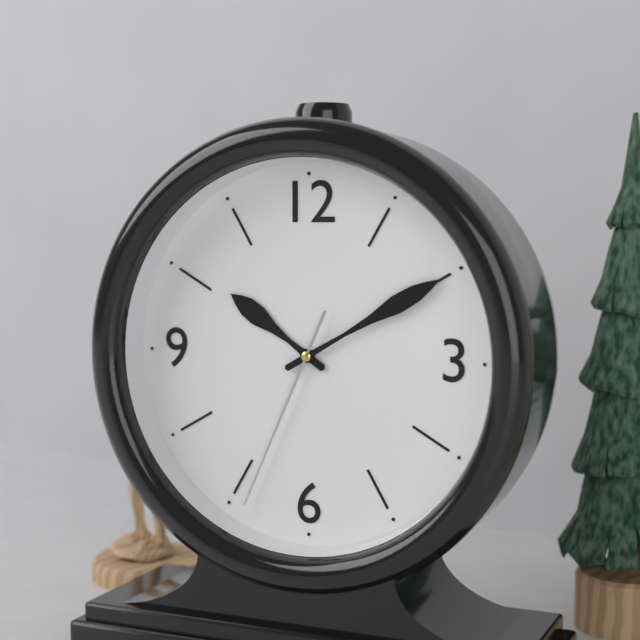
10:10:34
